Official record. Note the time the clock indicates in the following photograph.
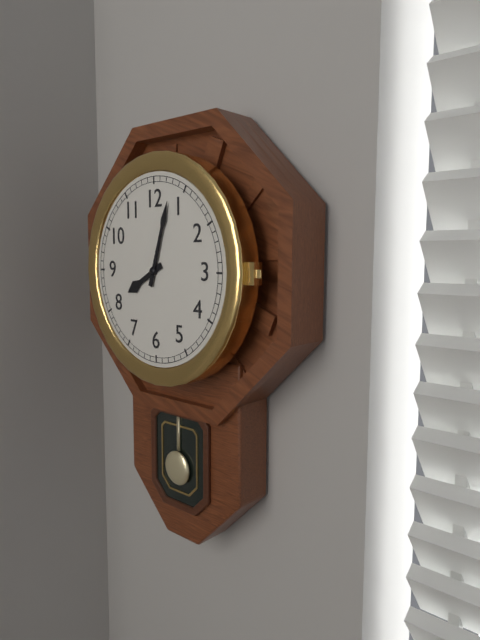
8:03
